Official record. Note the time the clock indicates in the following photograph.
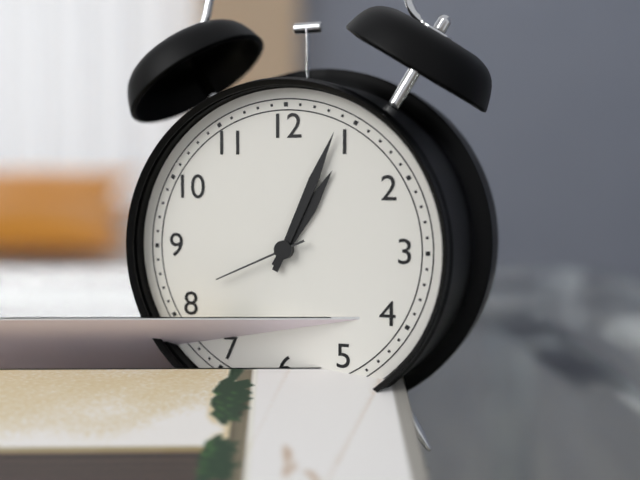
1:04:41
